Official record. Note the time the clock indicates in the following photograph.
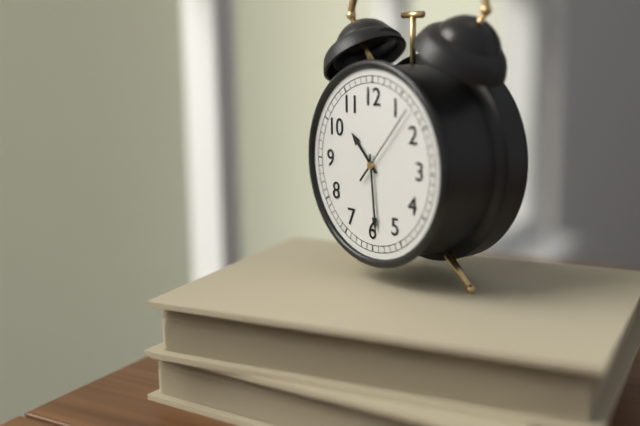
10:29:07
